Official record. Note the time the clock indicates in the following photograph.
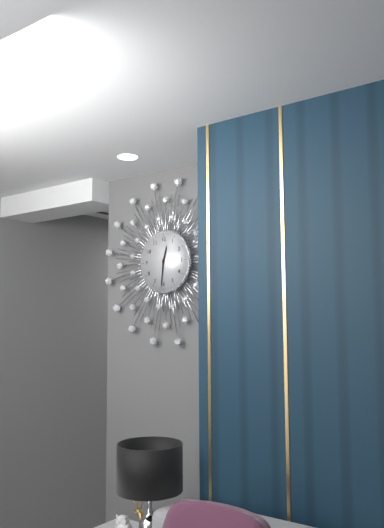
12:31
